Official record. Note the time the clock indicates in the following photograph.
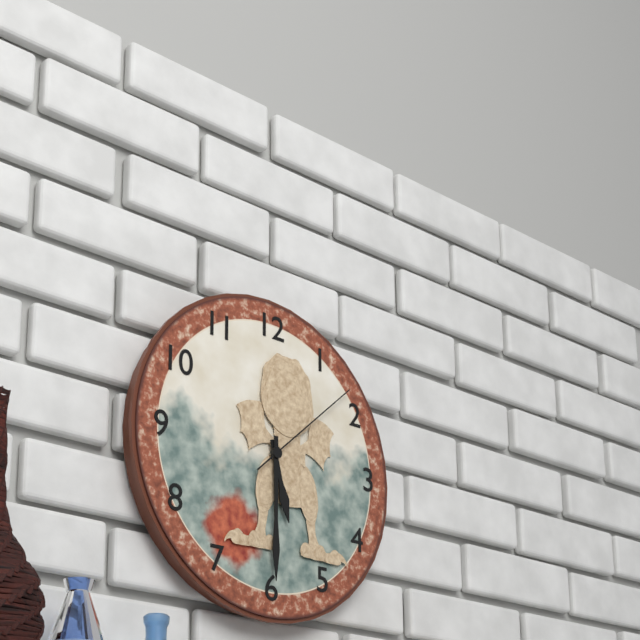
5:30:08
